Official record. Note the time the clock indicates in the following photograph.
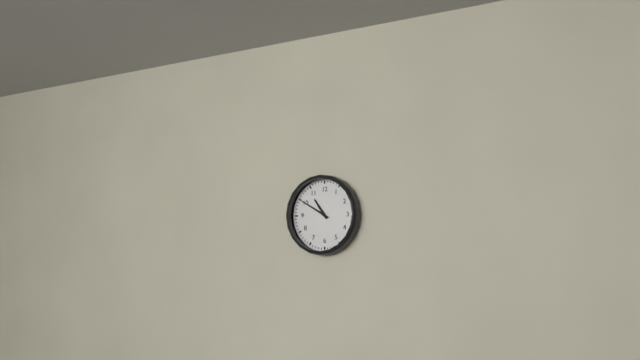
10:50
